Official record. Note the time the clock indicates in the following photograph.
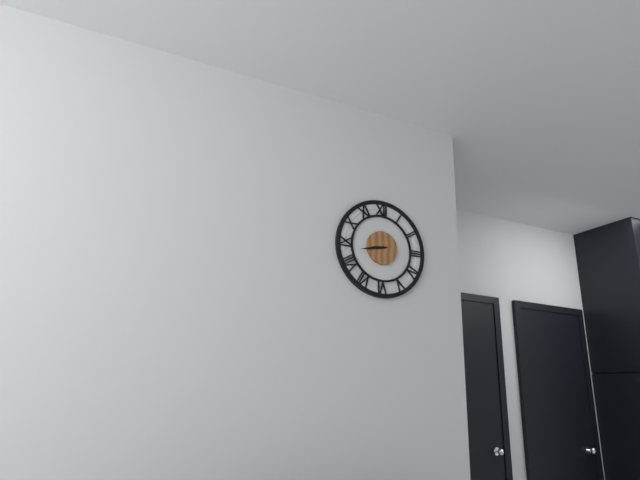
8:43
